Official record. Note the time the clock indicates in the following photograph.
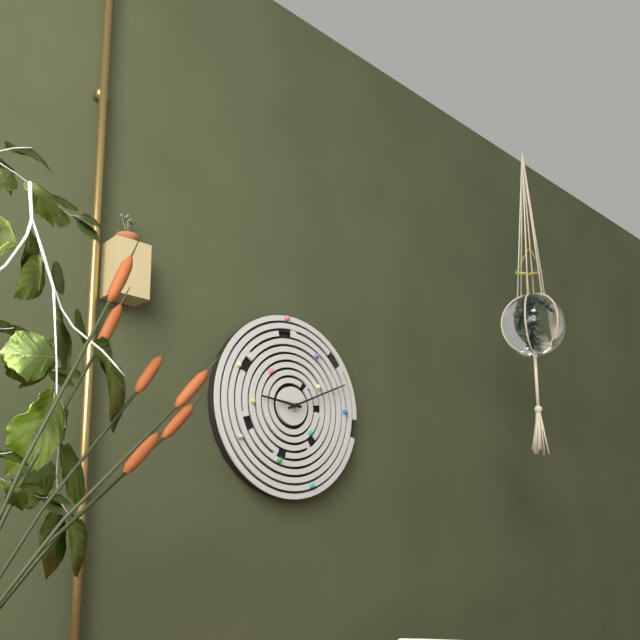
9:11
